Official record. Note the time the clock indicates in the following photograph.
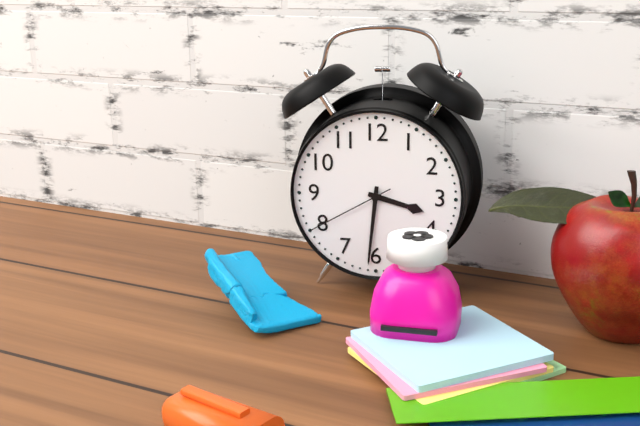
3:31:40
